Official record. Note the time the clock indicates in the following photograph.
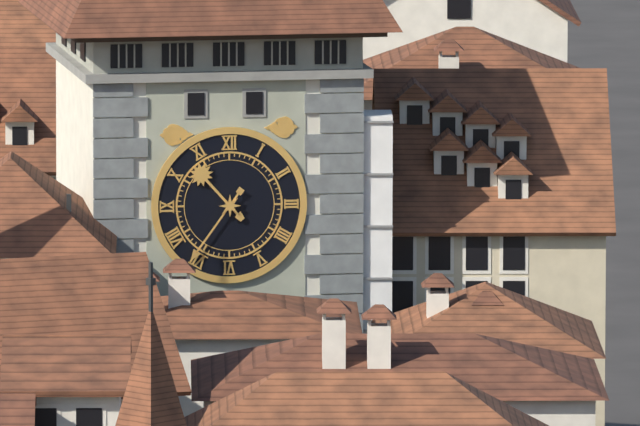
10:36
